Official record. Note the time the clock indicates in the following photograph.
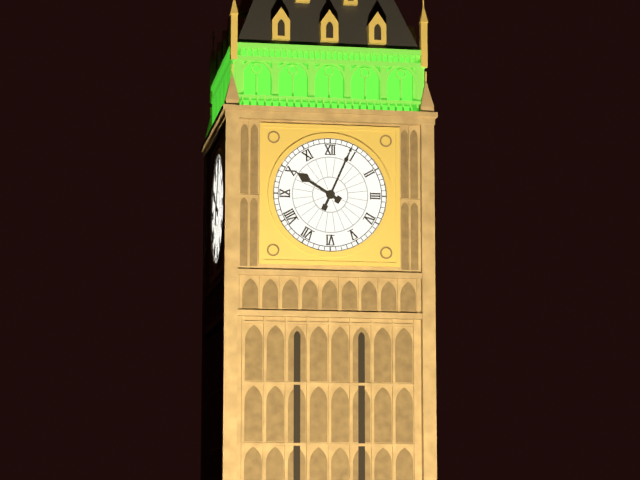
10:04
